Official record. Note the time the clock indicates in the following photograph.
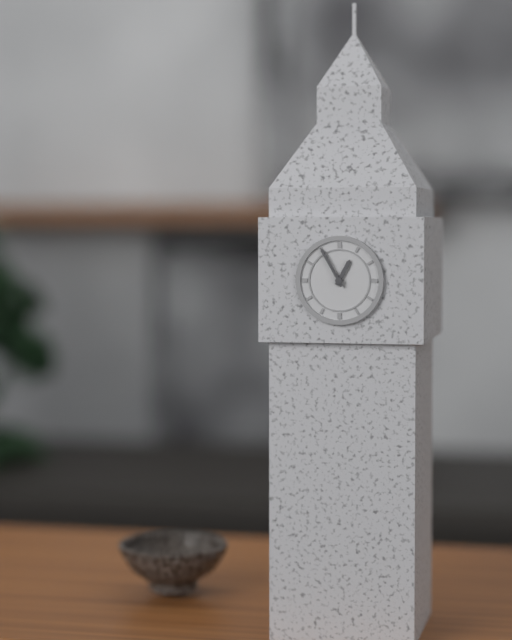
12:55
